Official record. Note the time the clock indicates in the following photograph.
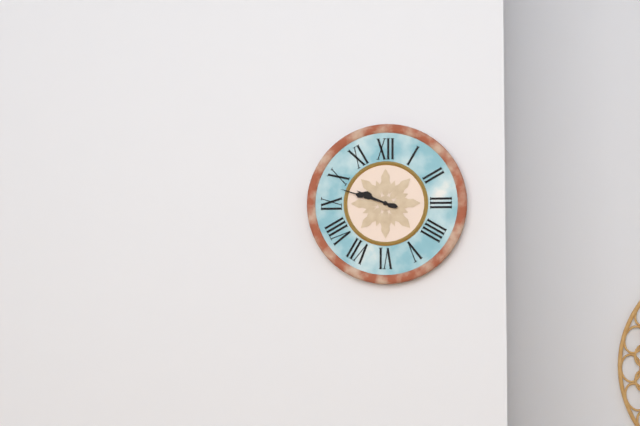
9:48
